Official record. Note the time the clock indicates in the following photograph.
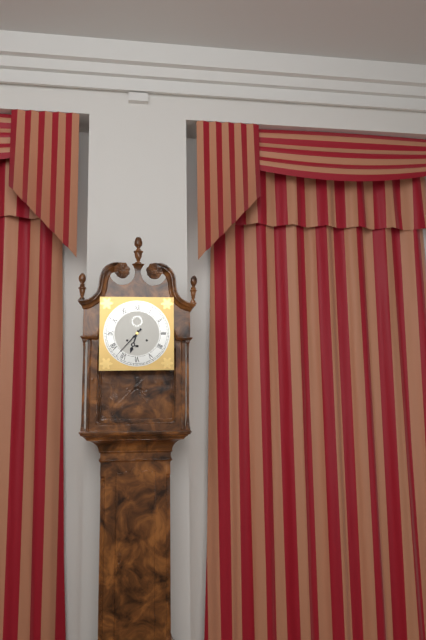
6:37
